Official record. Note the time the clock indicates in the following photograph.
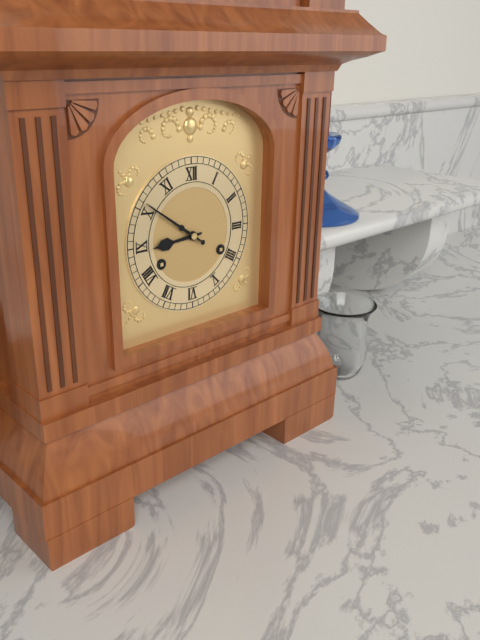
8:51
